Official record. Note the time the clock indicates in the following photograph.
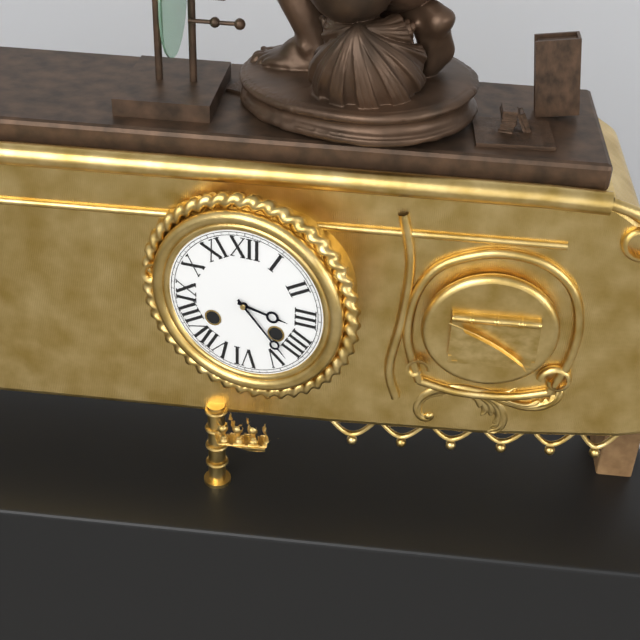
3:23
